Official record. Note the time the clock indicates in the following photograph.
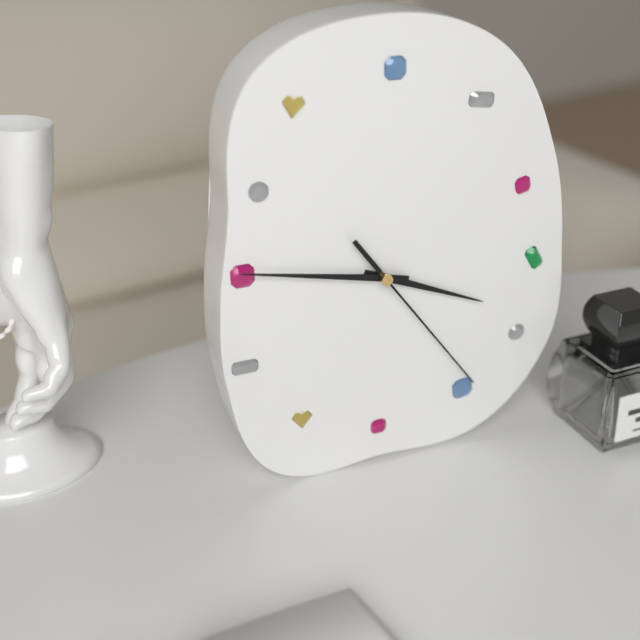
3:47:24
